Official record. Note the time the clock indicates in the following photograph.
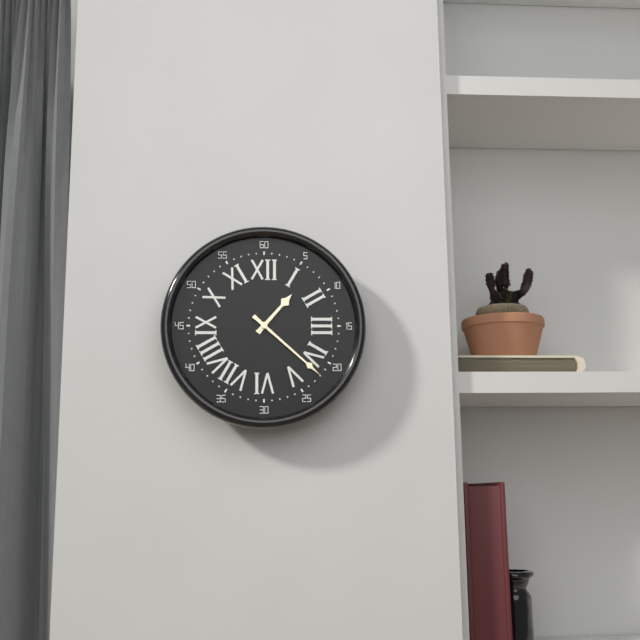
1:22
